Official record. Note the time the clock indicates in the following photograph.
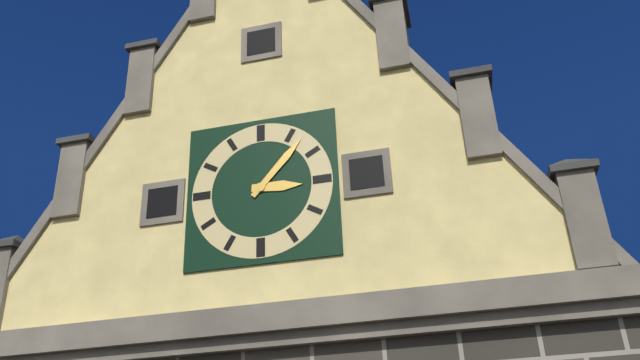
3:07
